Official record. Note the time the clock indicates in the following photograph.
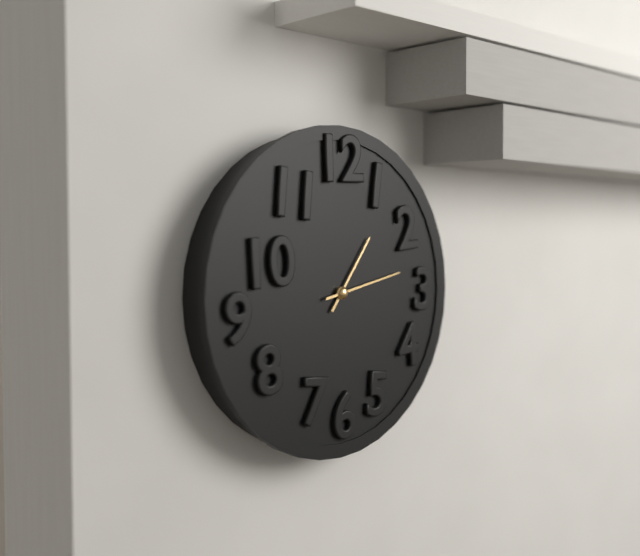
1:13
